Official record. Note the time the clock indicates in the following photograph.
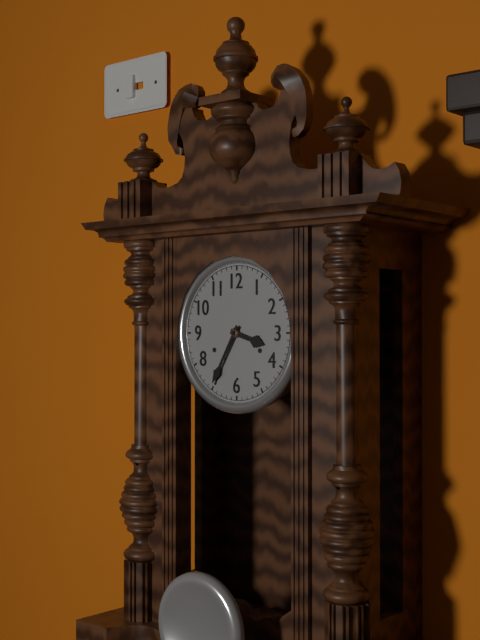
3:35
